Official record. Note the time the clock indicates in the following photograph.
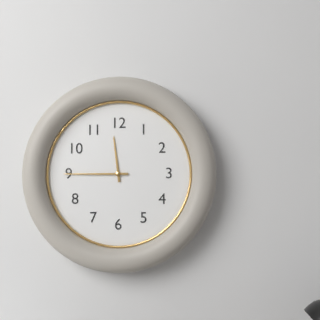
11:45
